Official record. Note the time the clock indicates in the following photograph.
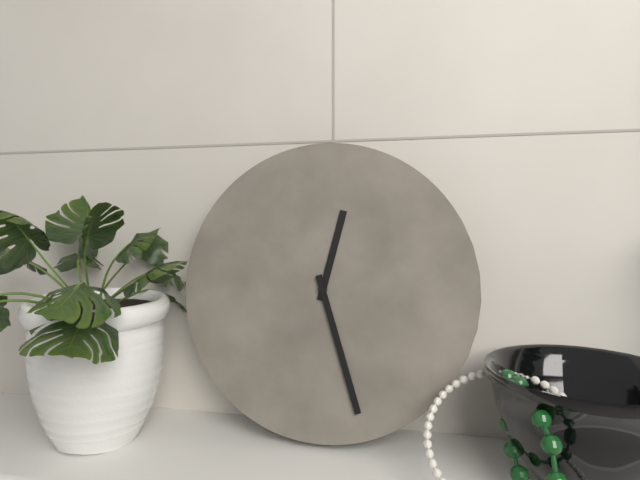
12:27
